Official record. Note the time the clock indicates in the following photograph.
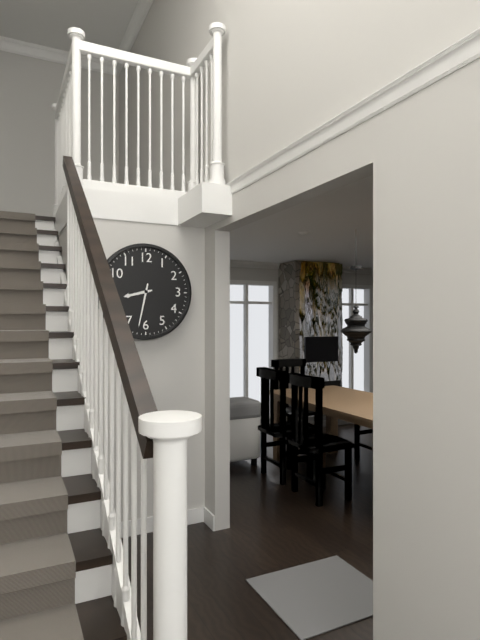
8:32
